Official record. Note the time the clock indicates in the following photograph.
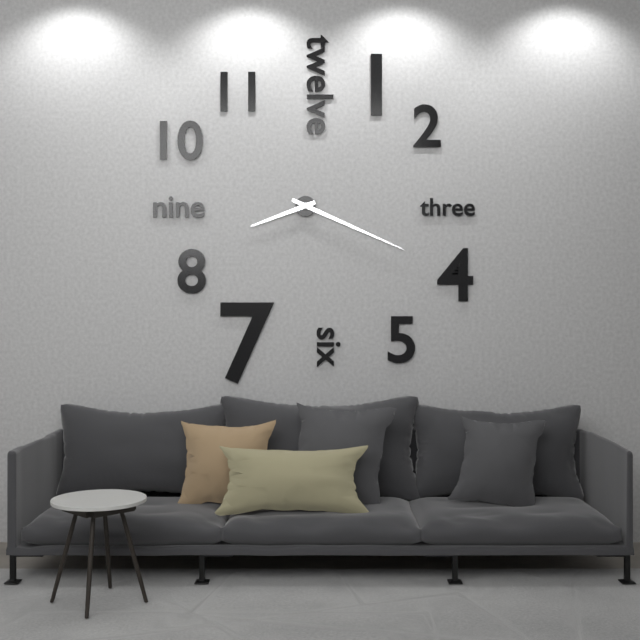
8:19
